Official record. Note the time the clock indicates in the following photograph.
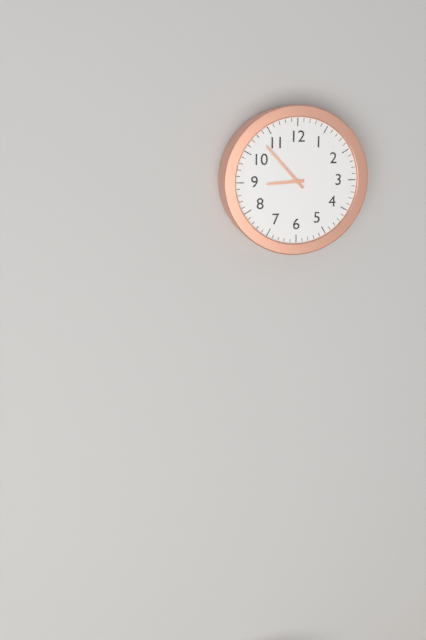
8:53
